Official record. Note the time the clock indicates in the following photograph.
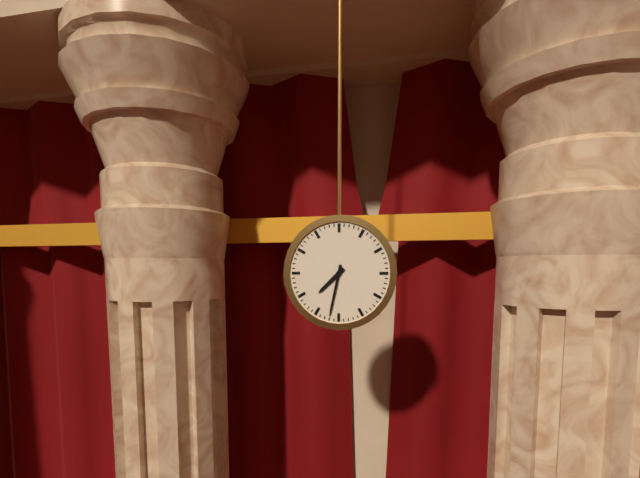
7:32
